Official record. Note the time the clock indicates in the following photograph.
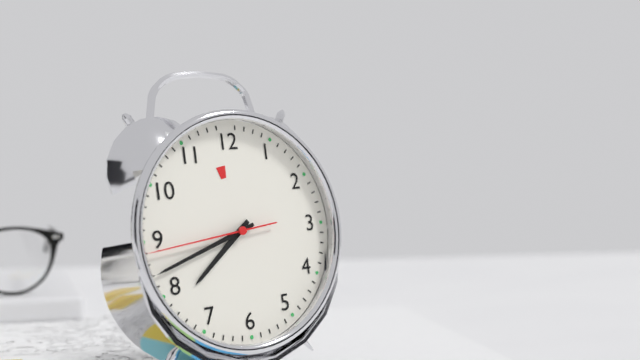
7:42:44
